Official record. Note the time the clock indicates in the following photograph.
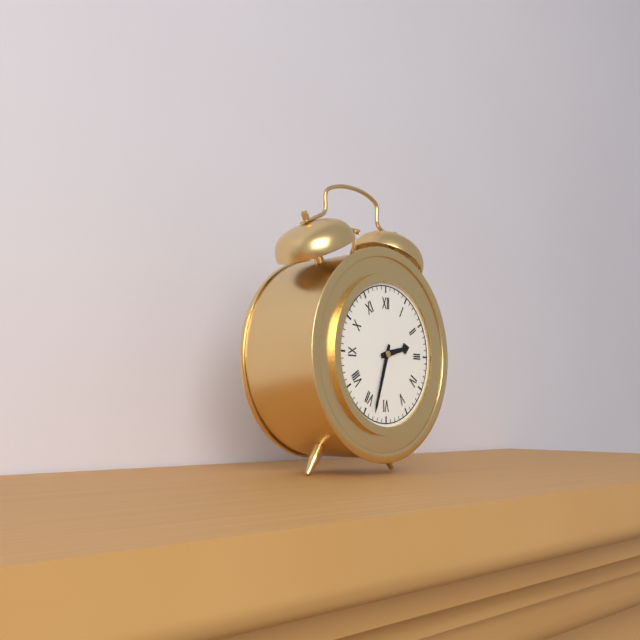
2:33
